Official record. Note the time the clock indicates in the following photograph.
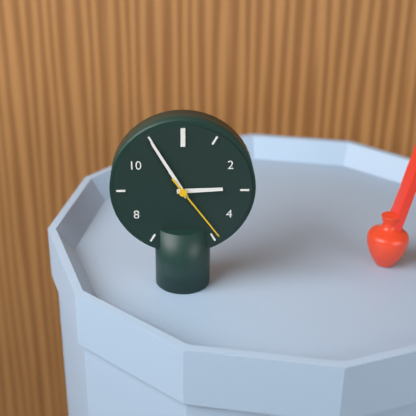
2:55:24
